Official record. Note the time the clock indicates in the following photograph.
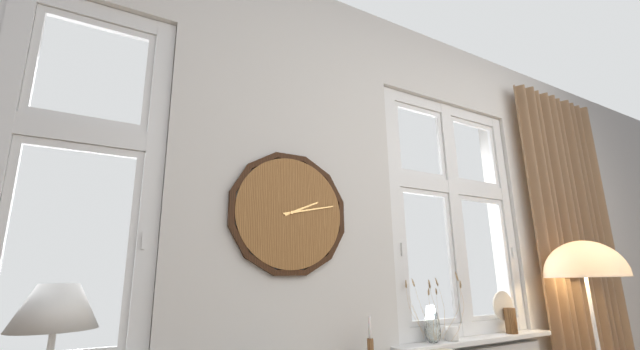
2:13
